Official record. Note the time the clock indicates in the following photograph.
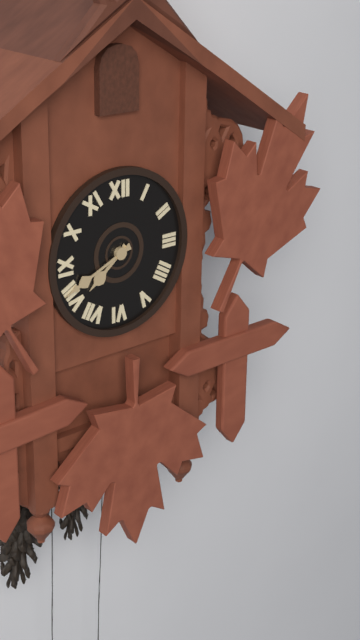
7:41
